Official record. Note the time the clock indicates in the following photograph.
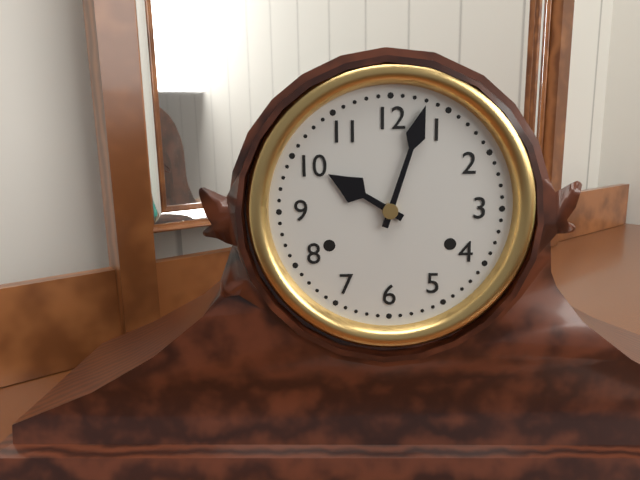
10:03
